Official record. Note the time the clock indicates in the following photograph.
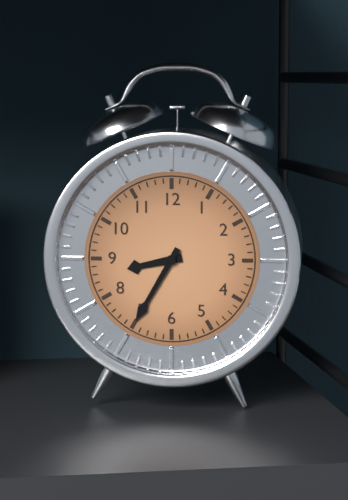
8:35
